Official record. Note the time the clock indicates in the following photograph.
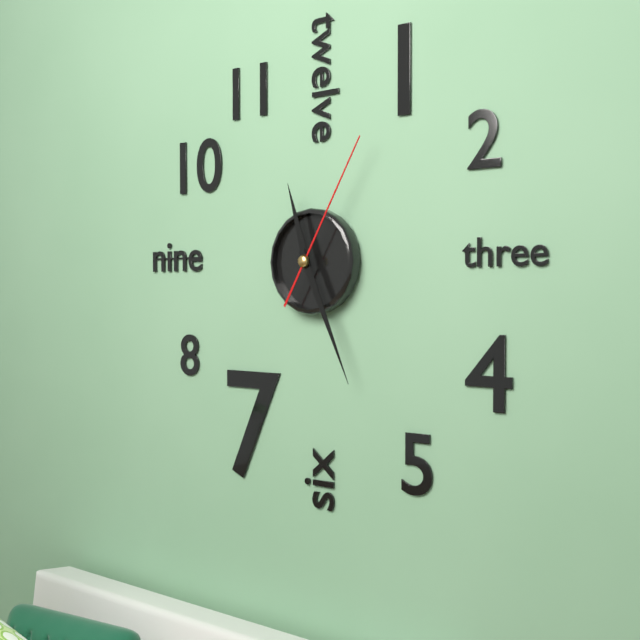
11:26:05
